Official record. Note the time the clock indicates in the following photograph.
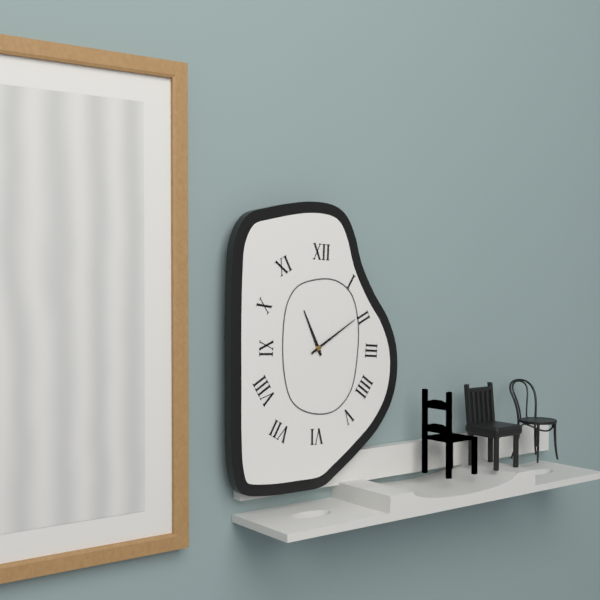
11:10
